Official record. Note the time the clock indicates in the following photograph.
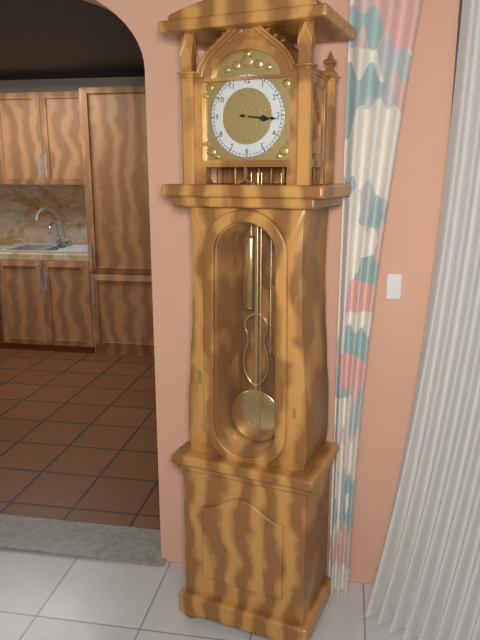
3:16
